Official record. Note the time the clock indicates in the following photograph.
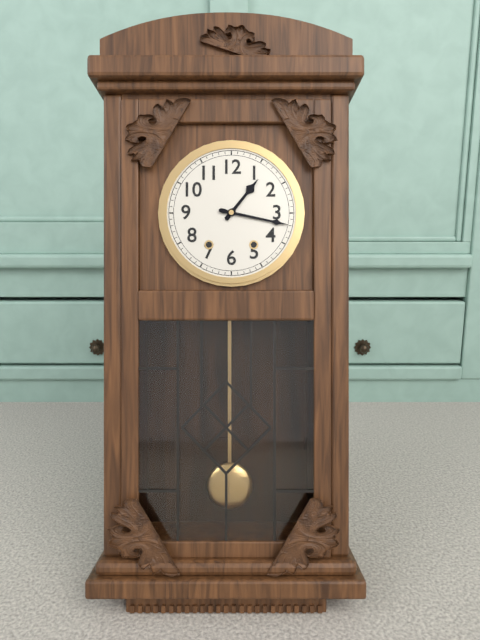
1:17
